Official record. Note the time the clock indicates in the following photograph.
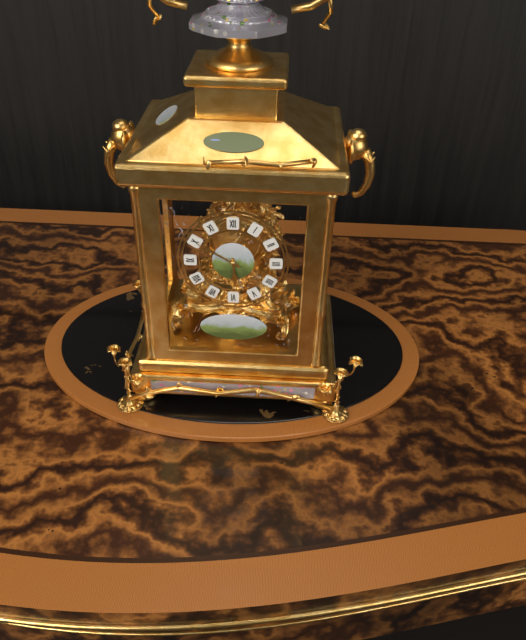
5:50
